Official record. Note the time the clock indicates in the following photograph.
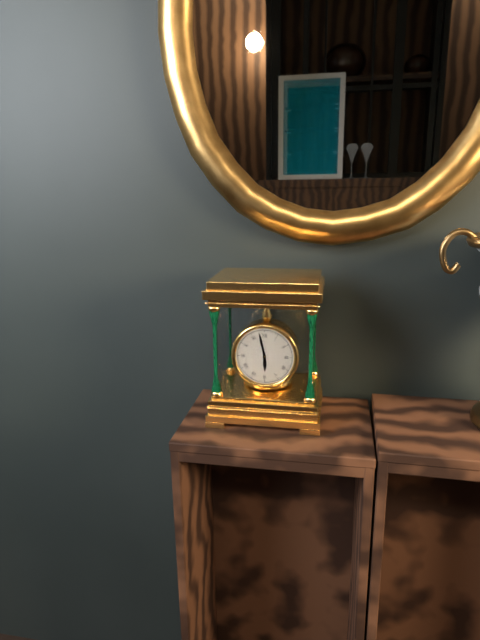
5:58
